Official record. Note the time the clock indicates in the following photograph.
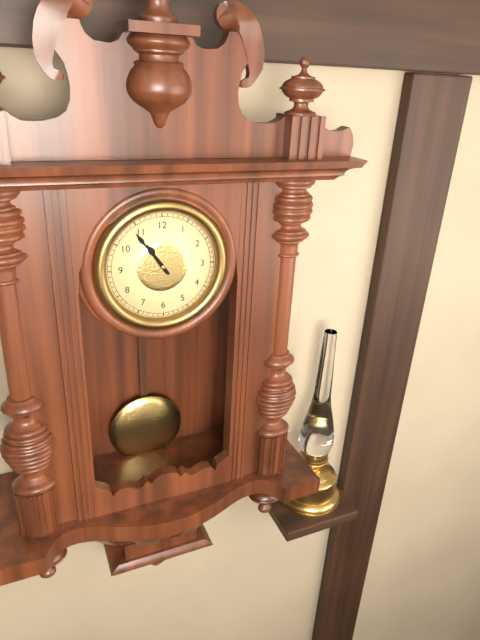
10:54
